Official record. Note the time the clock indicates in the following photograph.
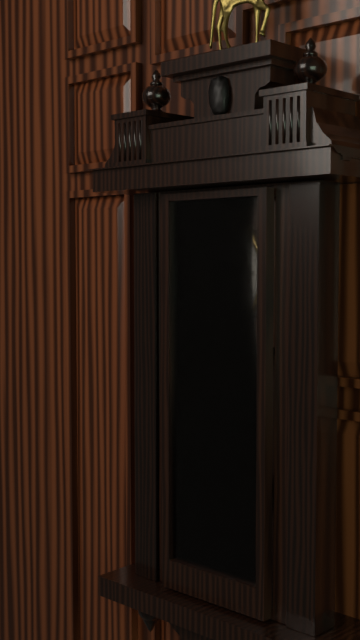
11:30
